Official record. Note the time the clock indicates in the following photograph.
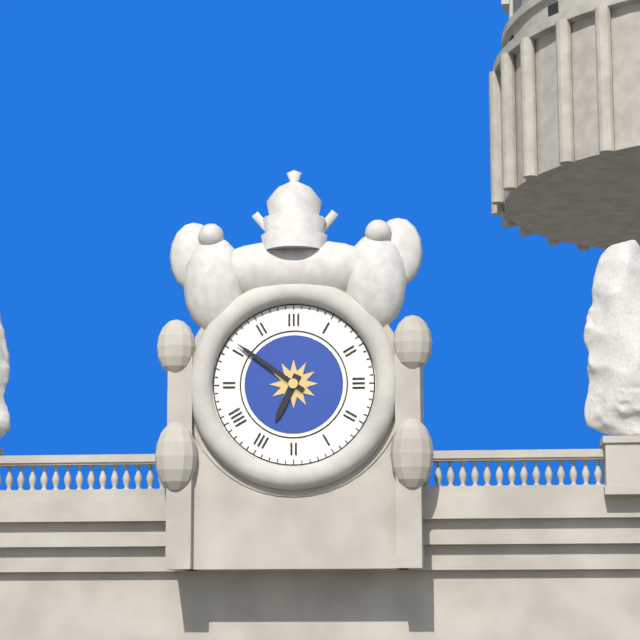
6:51
